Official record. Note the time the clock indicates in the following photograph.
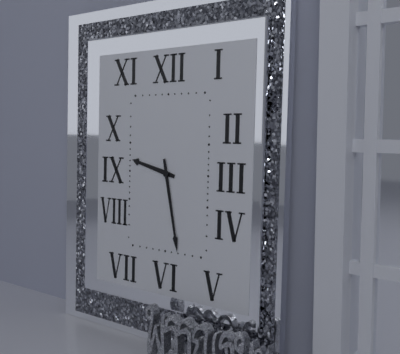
9:28
